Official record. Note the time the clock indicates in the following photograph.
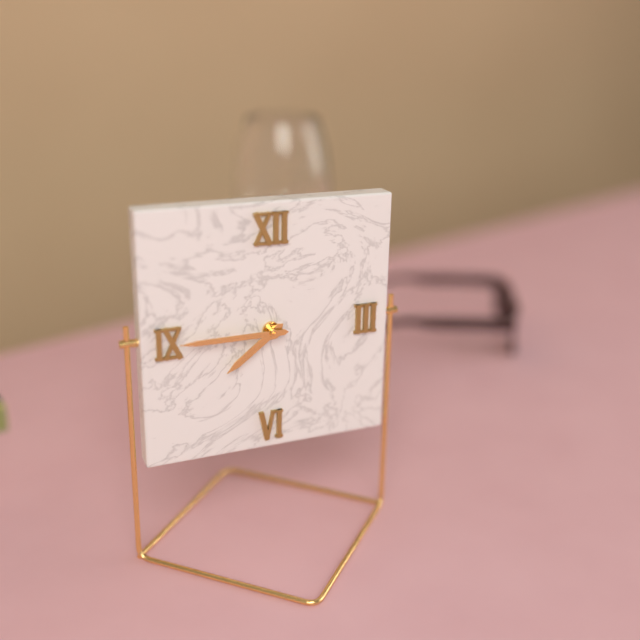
7:45
